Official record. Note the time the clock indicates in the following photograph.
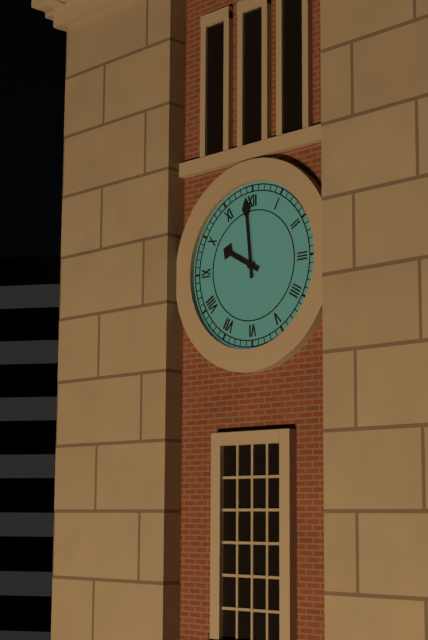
9:59
